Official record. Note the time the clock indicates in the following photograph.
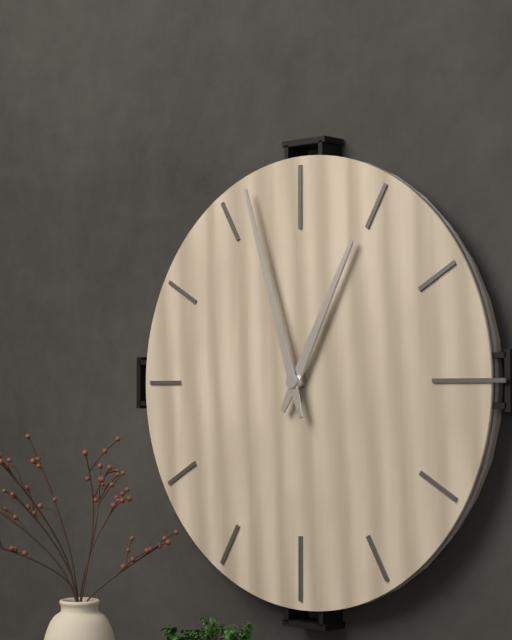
12:57
